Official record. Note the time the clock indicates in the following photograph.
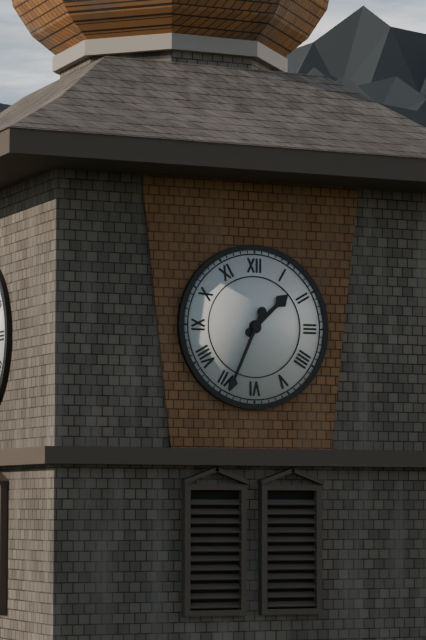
1:34
